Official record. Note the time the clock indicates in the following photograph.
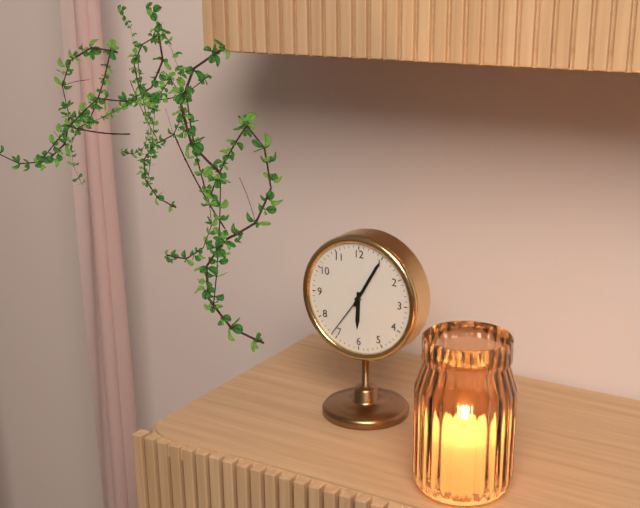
6:05:36
